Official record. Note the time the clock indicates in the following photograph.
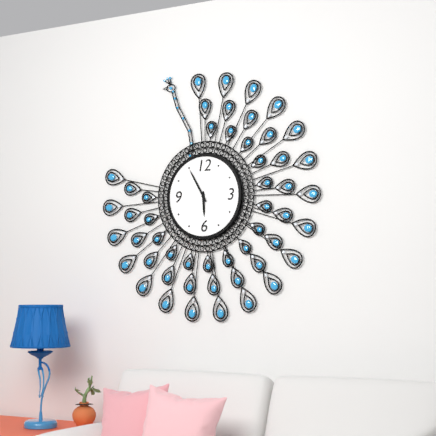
5:55
